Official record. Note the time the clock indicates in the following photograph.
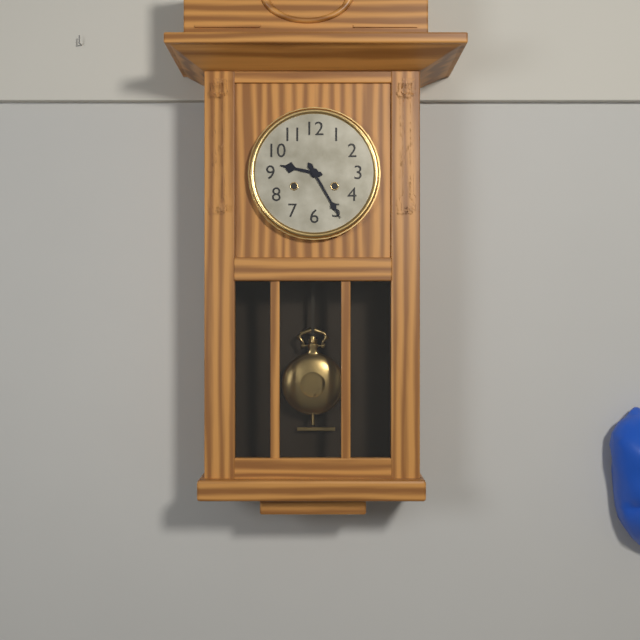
9:25
